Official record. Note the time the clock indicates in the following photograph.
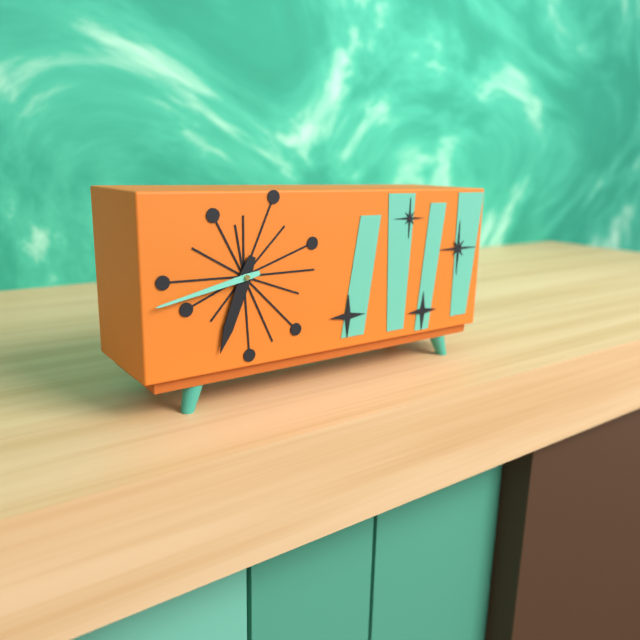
6:43
